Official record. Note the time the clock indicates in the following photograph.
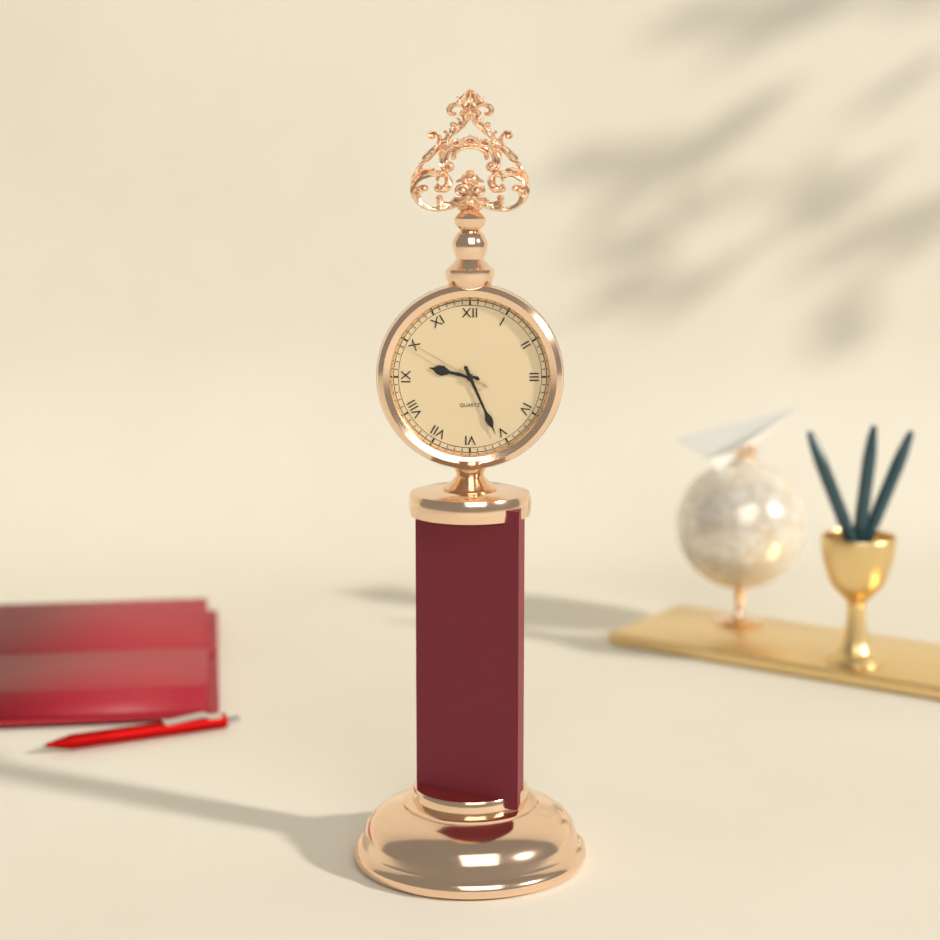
9:26:50
